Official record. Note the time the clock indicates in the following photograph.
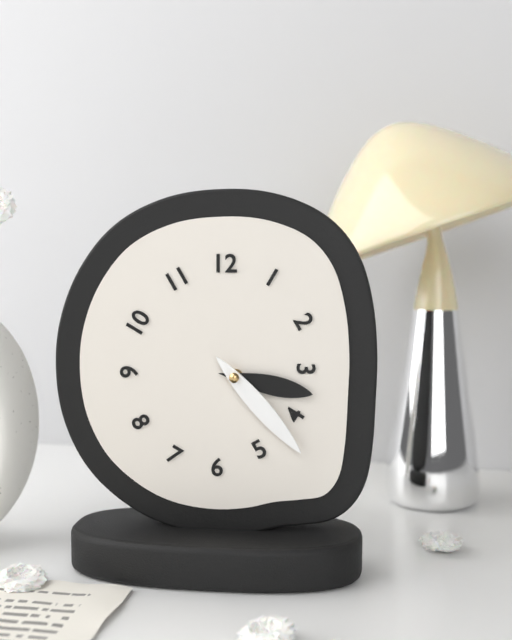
3:23
